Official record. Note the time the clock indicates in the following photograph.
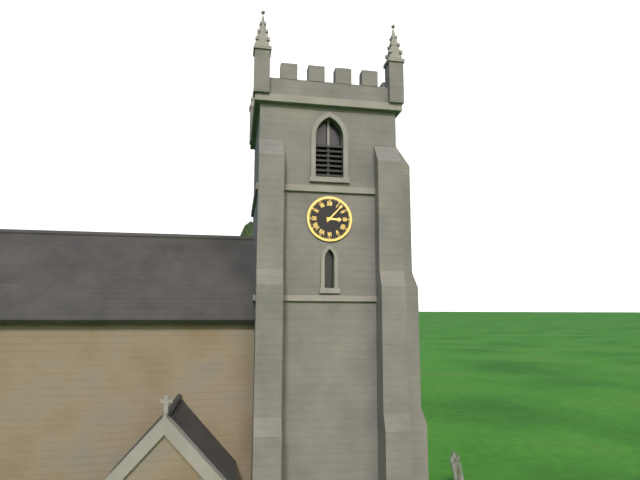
3:07
